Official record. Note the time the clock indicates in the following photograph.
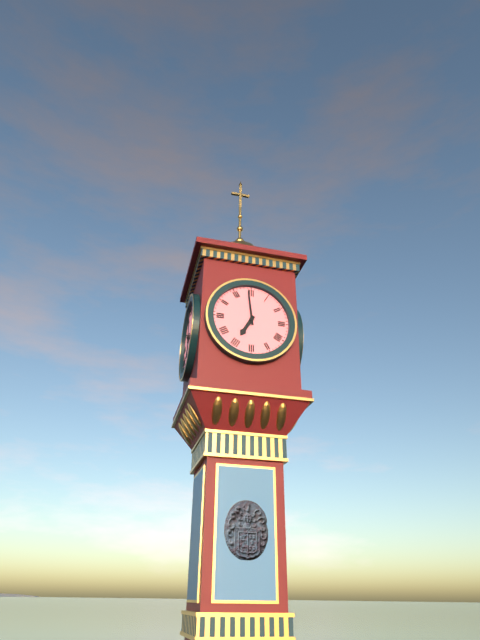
6:59
